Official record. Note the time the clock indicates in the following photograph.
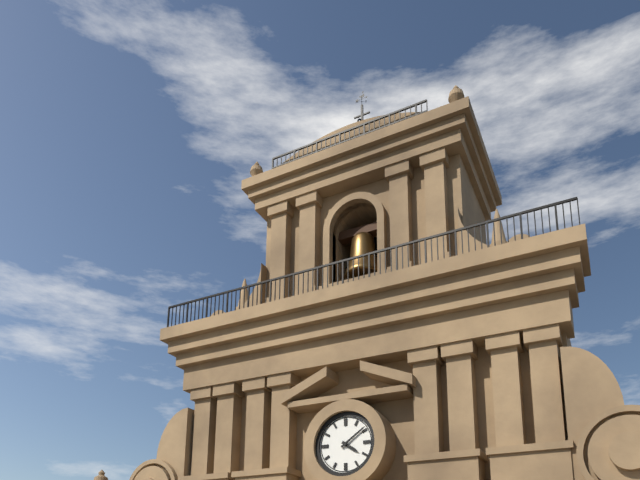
4:09
